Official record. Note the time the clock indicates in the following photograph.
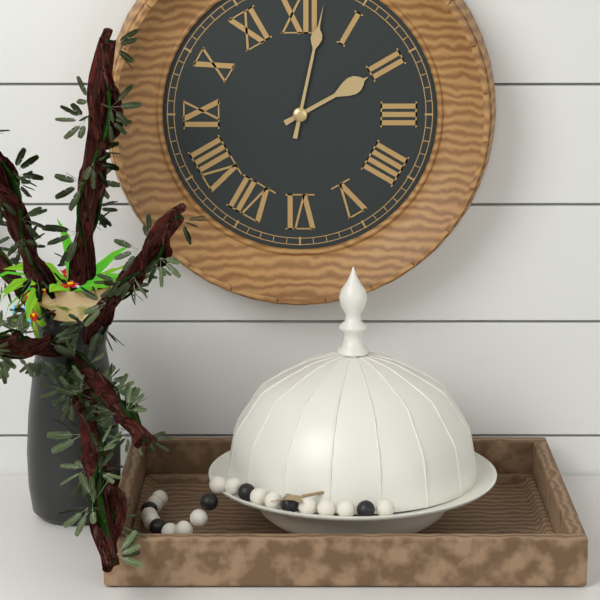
2:02
